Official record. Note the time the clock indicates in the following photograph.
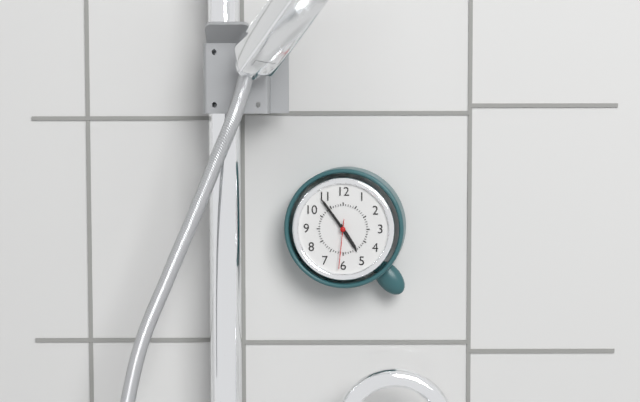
4:54:31
